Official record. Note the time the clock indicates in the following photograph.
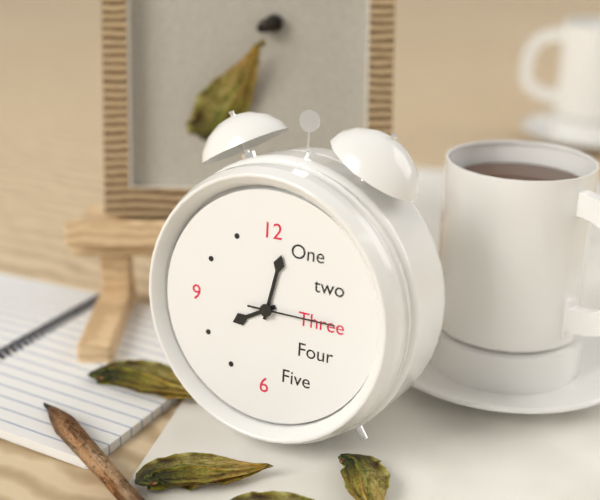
8:02:15
